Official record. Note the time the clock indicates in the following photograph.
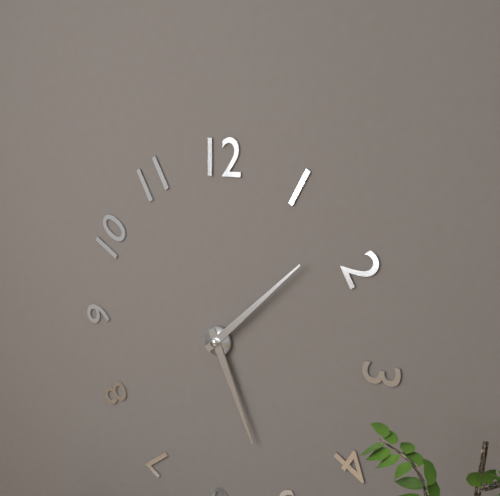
5:08
